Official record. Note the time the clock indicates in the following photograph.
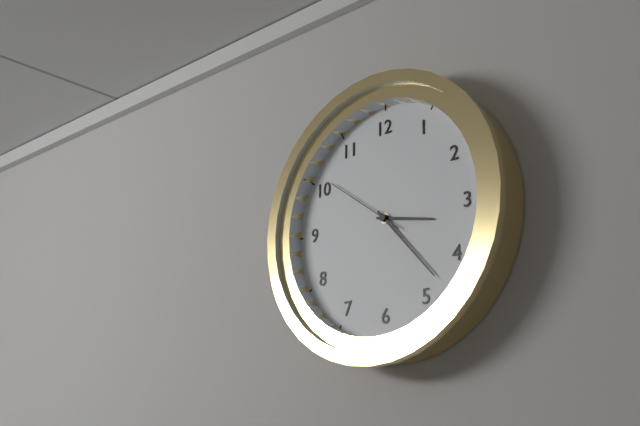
3:23:51
